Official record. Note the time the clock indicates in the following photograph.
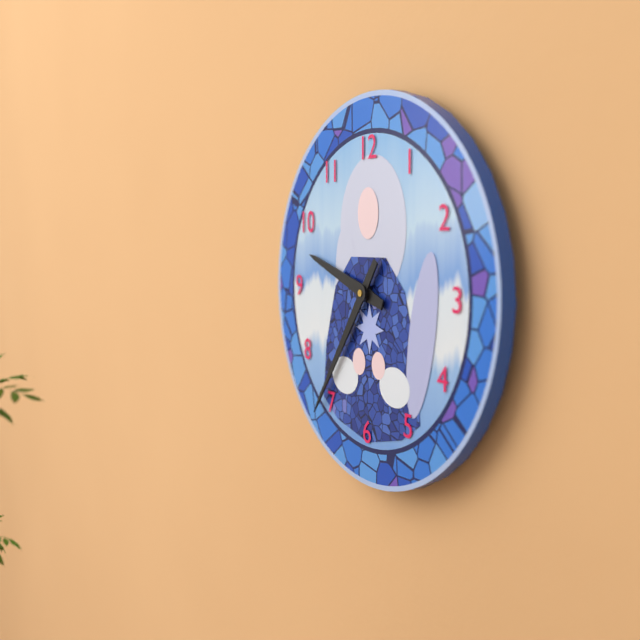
9:36
